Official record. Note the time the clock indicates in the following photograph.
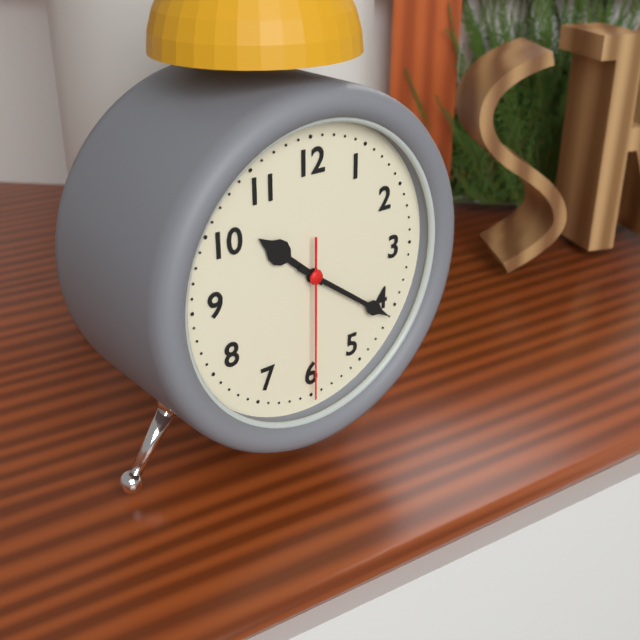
10:21:30
